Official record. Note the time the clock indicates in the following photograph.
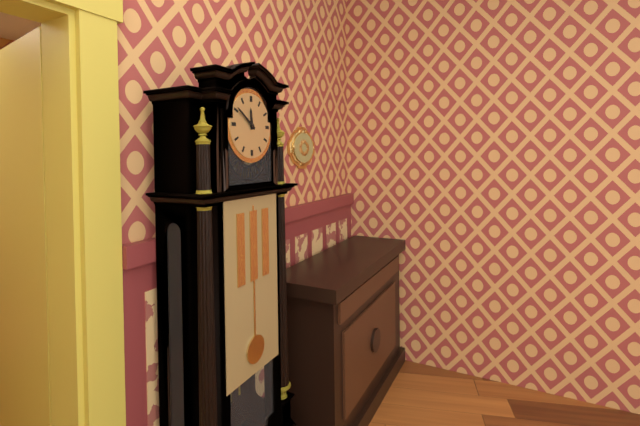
11:51
